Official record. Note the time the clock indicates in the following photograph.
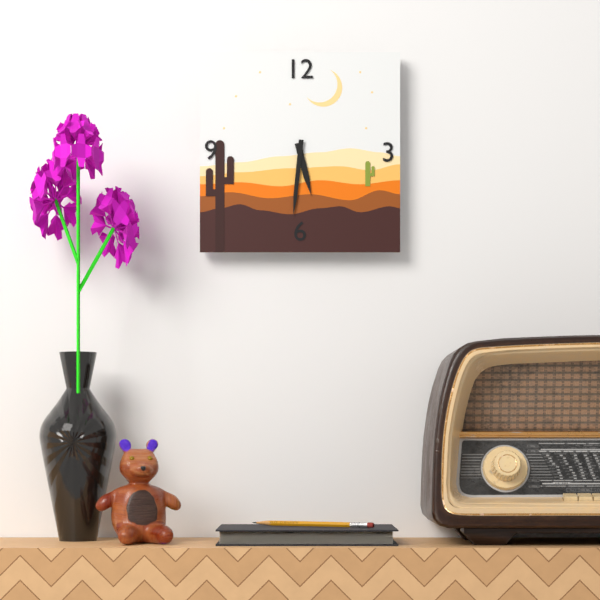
5:31
